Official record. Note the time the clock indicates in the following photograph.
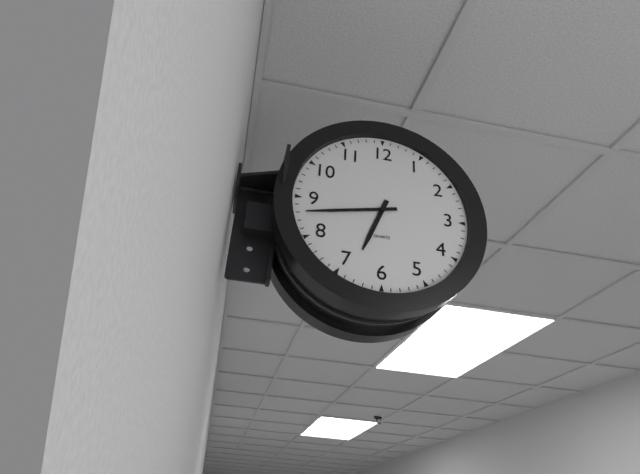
6:43
